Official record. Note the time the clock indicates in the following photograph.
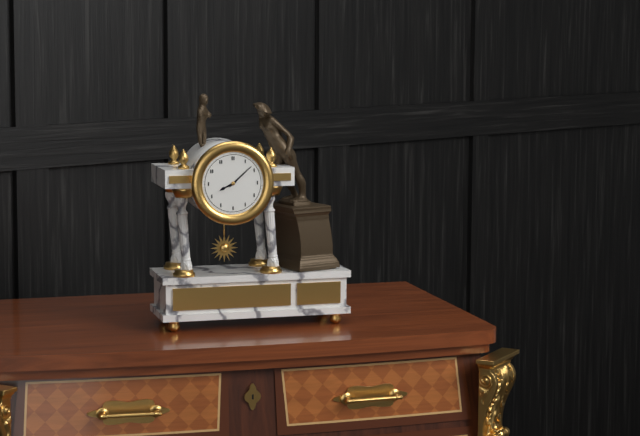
8:08
